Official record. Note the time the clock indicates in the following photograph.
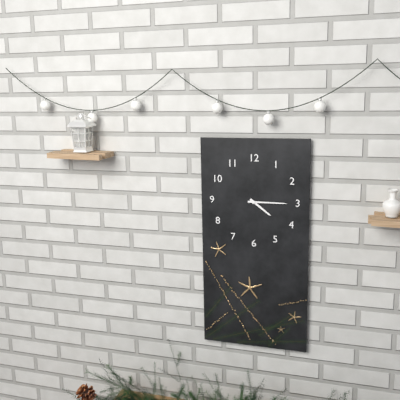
4:15
